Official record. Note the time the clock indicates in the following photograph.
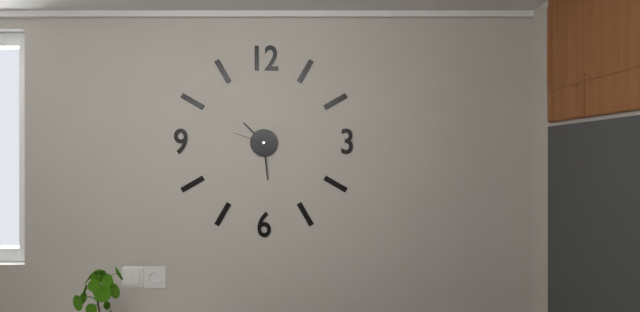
10:29
